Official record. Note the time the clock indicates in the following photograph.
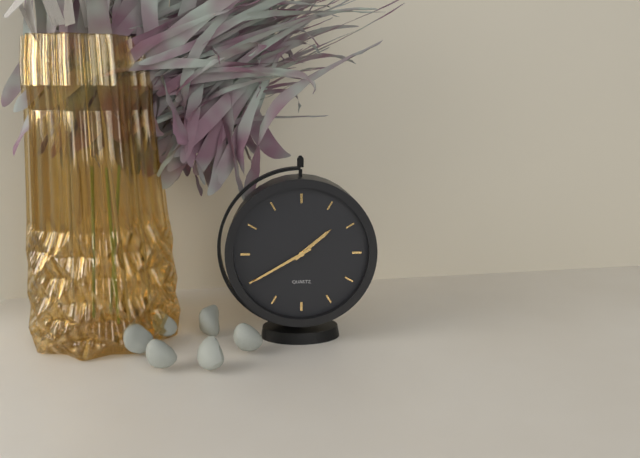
1:40
